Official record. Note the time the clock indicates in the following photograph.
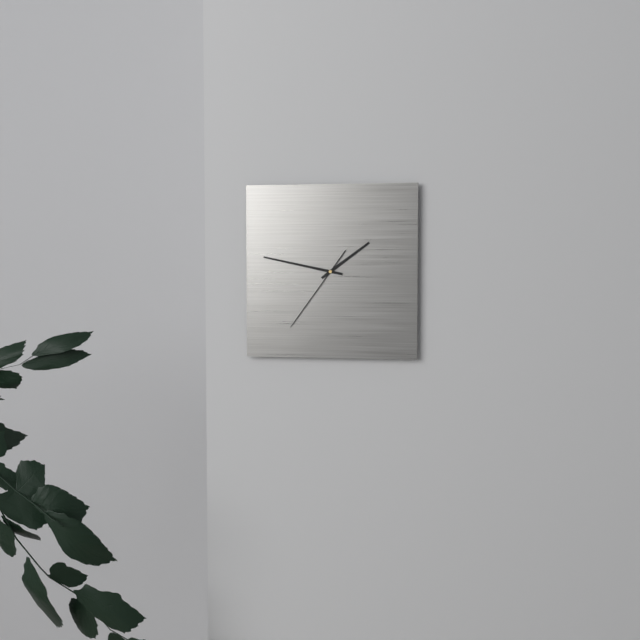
1:47:36
